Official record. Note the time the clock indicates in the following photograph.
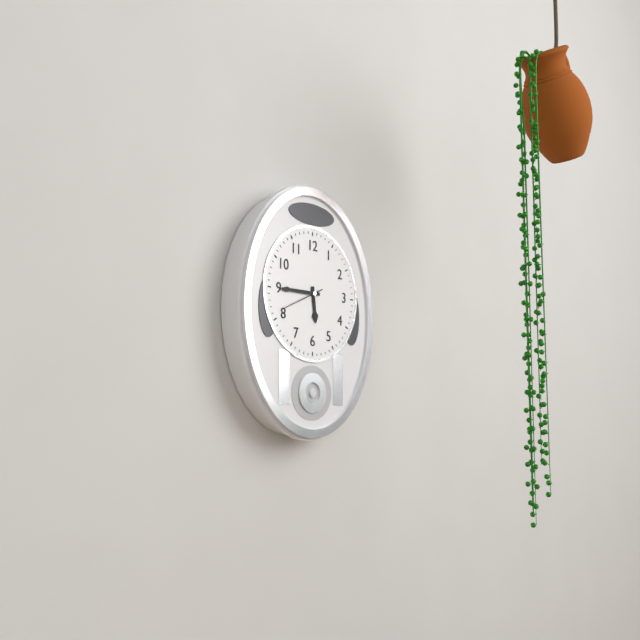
5:45
